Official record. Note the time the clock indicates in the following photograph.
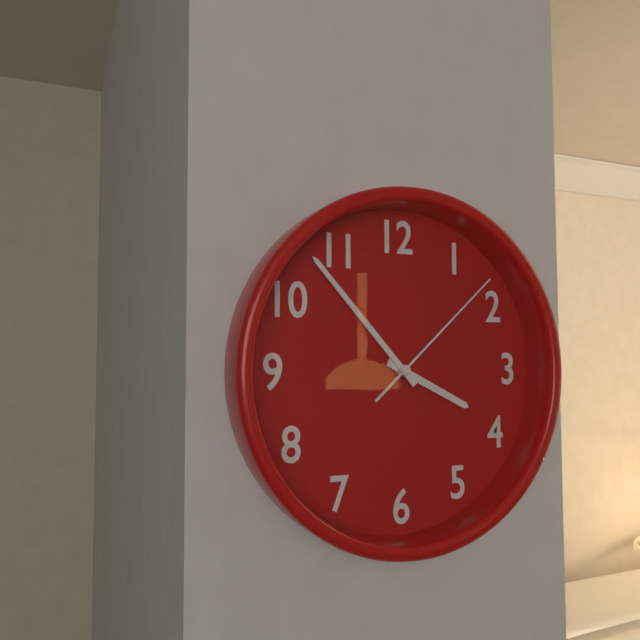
3:53:08
